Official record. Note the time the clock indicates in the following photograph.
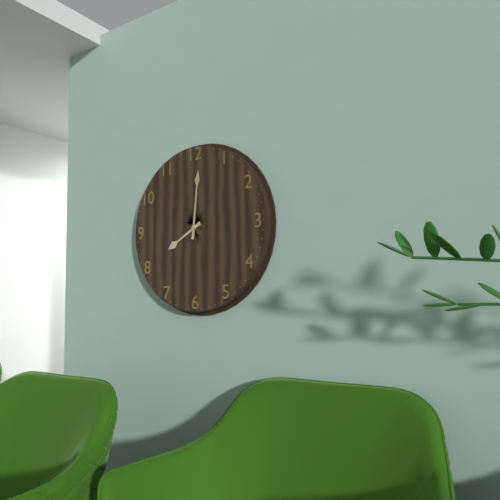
8:01
